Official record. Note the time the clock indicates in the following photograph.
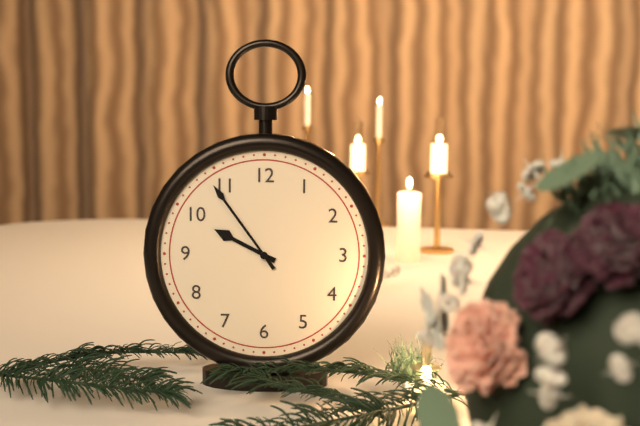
9:54
